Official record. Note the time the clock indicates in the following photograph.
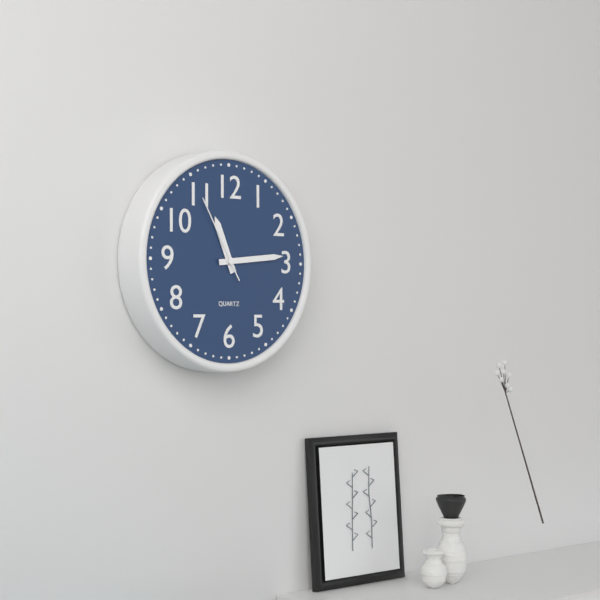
11:14:55
